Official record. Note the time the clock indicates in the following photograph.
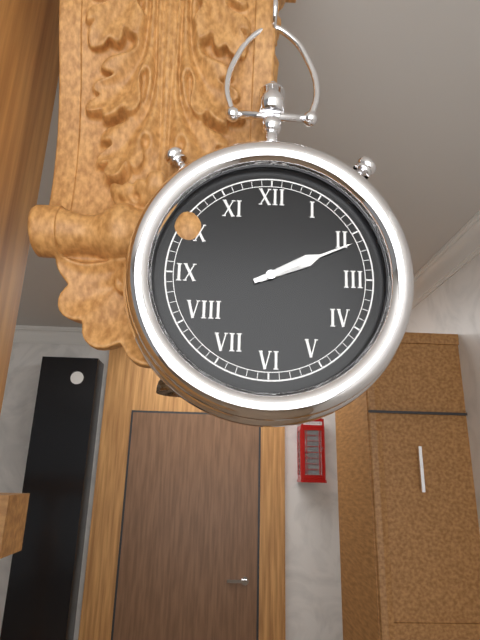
2:11
